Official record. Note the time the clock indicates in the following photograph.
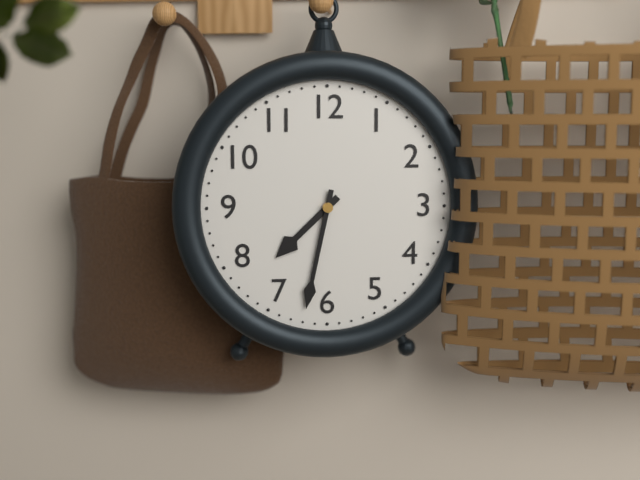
7:32
